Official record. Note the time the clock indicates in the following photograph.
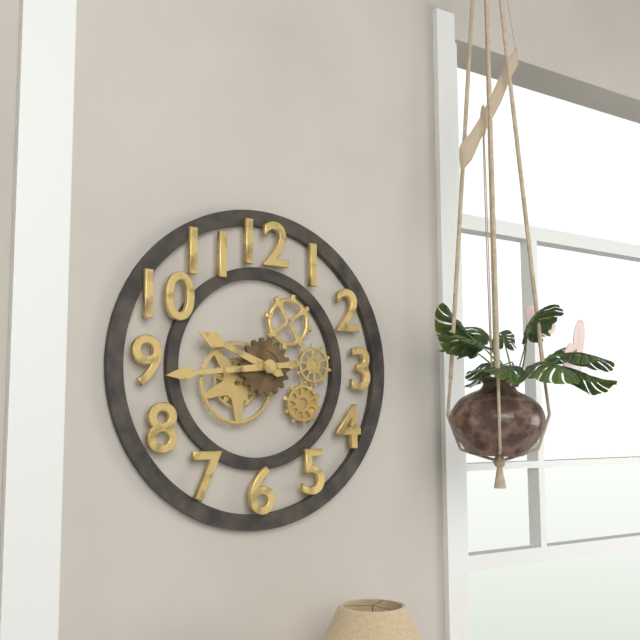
9:44
